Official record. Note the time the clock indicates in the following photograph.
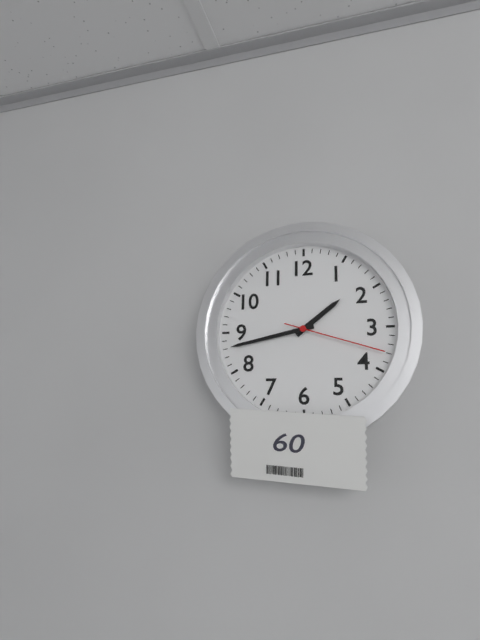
1:43:18
